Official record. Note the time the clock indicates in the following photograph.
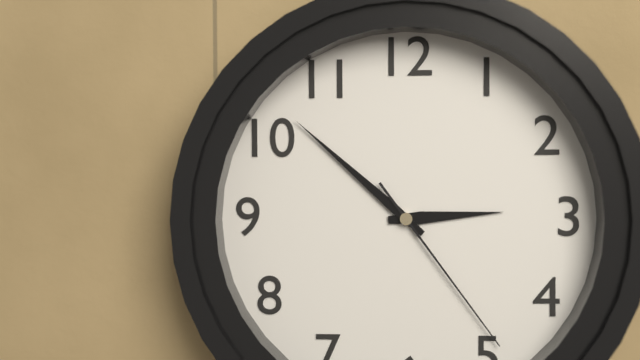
2:52:24
